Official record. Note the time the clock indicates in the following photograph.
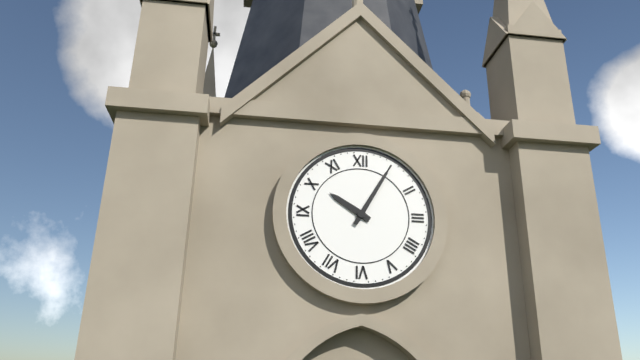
10:05
